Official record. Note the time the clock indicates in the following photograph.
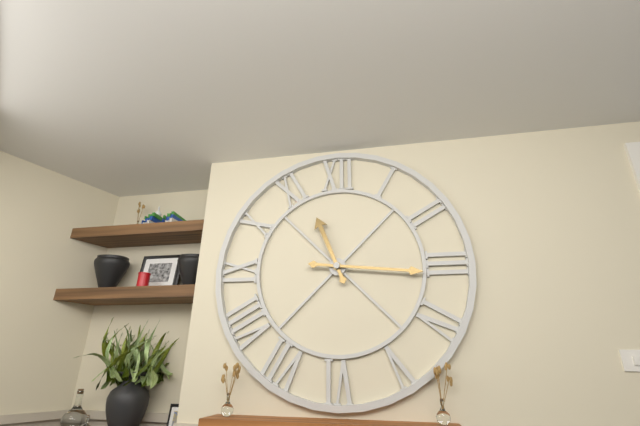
11:16
